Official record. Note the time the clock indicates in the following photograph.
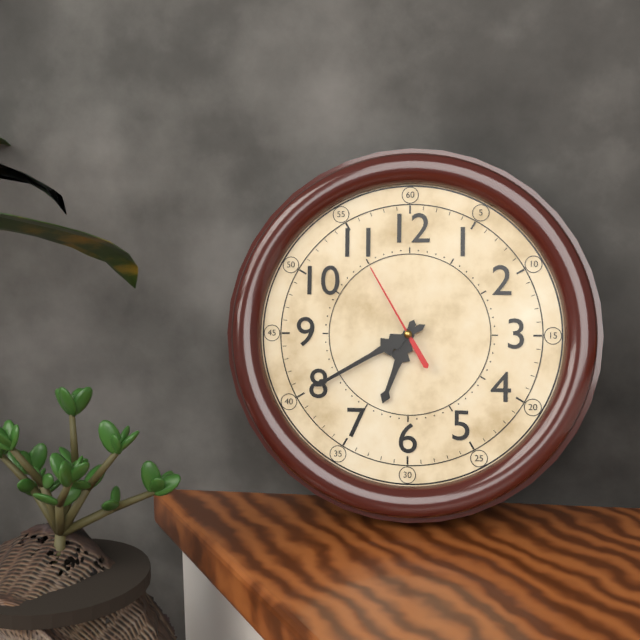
6:40:55
